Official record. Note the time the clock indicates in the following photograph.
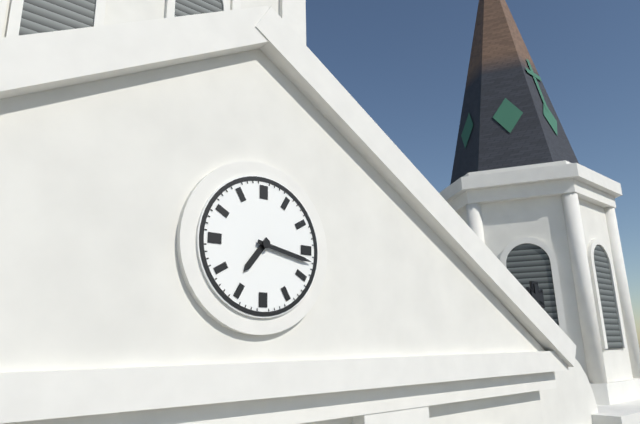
7:17
